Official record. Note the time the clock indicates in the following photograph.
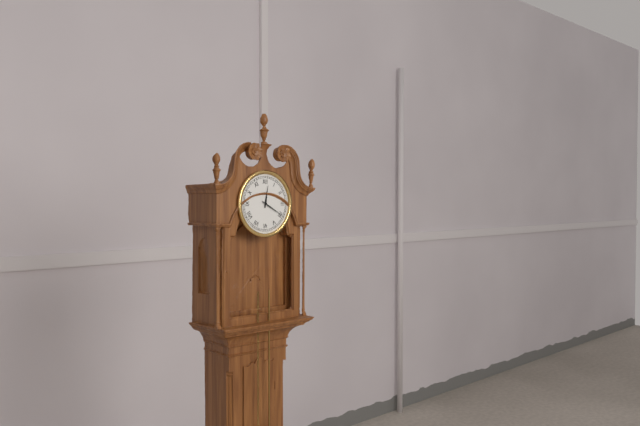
12:20
